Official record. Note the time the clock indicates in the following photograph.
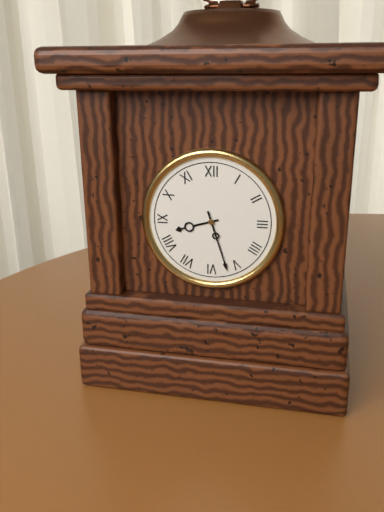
8:27
